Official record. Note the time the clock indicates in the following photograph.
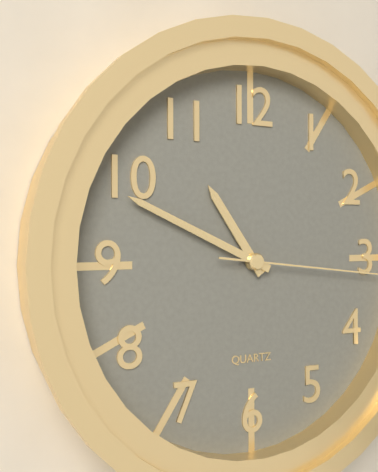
10:49
